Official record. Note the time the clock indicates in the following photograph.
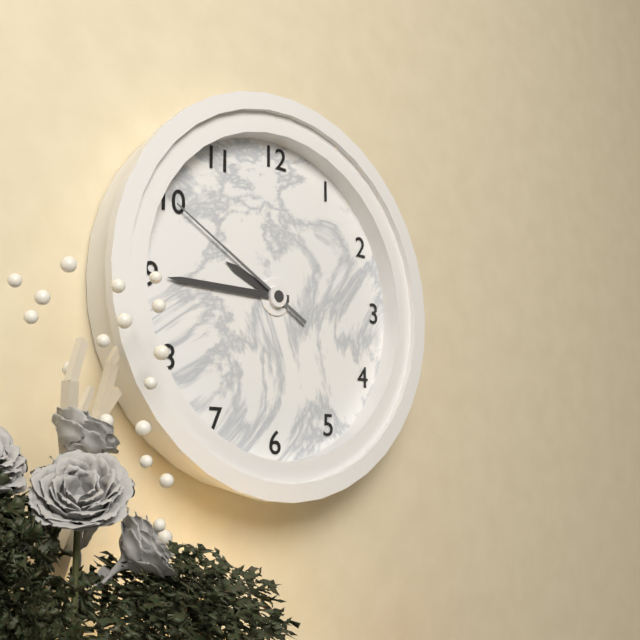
9:45:50
